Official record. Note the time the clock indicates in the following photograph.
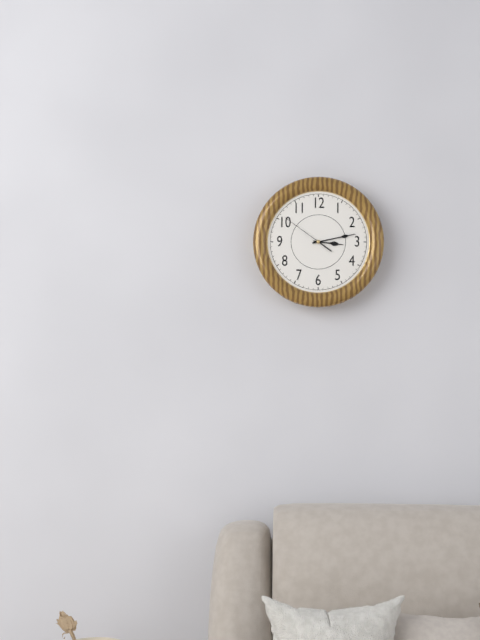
3:13:51
